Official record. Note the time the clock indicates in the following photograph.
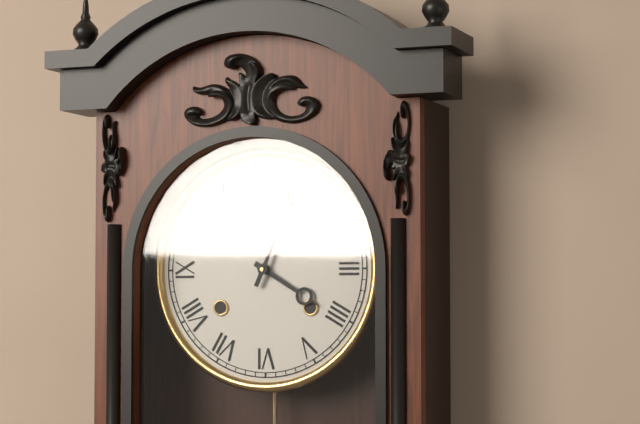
4:04
